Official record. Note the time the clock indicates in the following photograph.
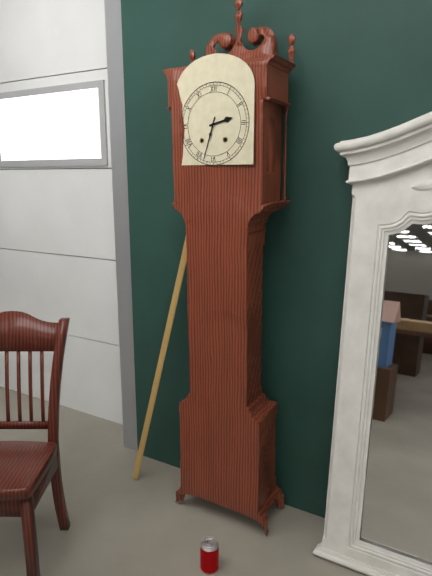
2:33
